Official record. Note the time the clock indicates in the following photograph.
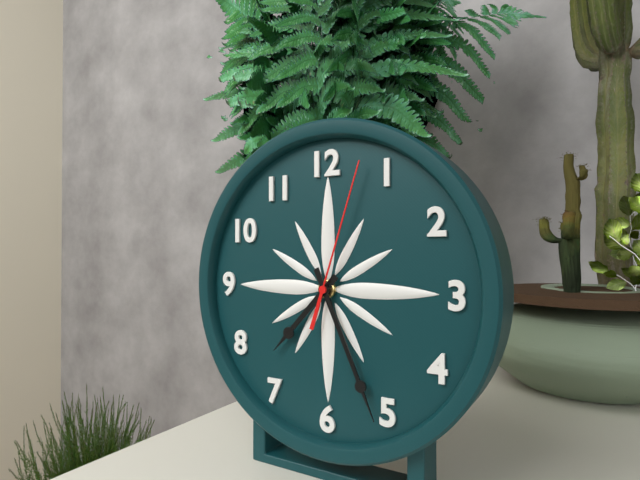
7:26:03
